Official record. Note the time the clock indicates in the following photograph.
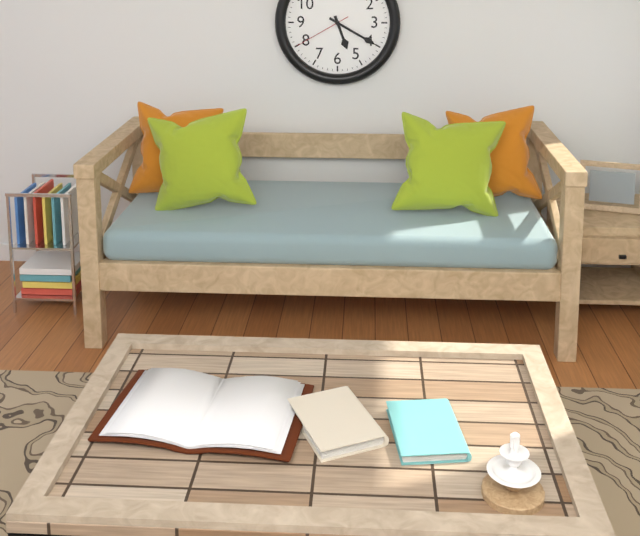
5:20:40
